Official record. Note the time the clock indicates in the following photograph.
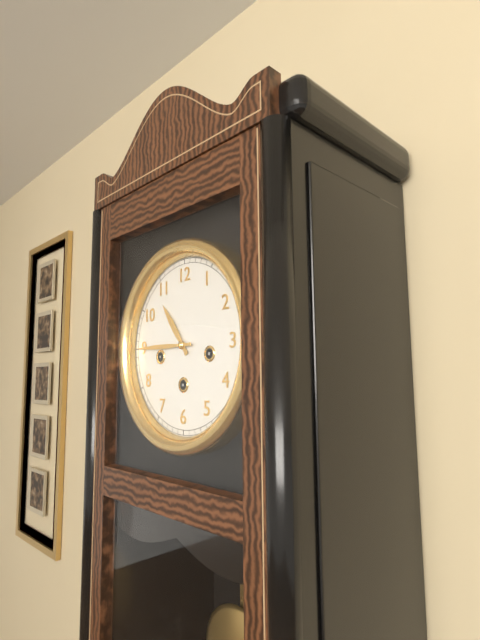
10:45
